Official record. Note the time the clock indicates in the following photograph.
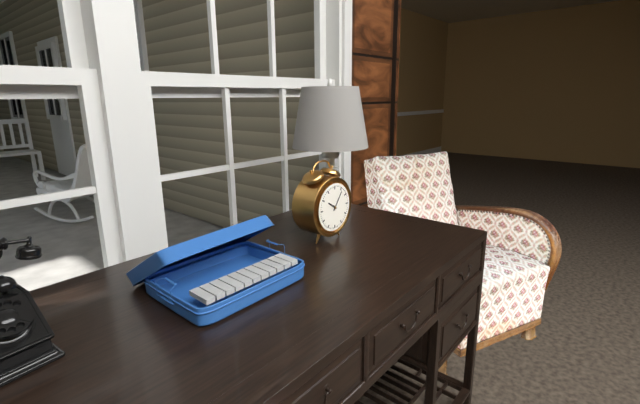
10:06
